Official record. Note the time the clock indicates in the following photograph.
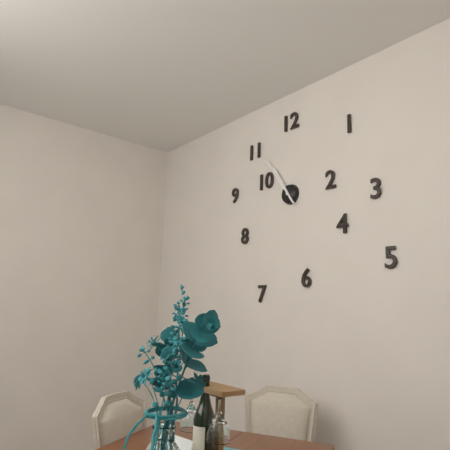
10:54
